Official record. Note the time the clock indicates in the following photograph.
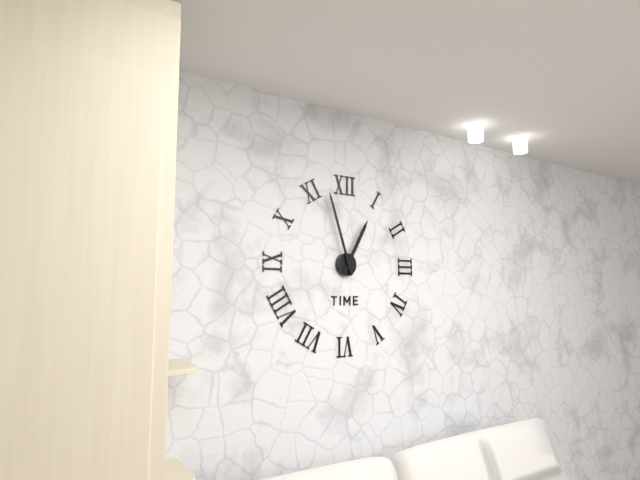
12:57
